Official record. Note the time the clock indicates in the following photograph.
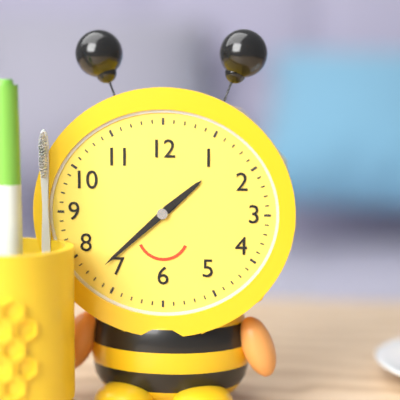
1:38
